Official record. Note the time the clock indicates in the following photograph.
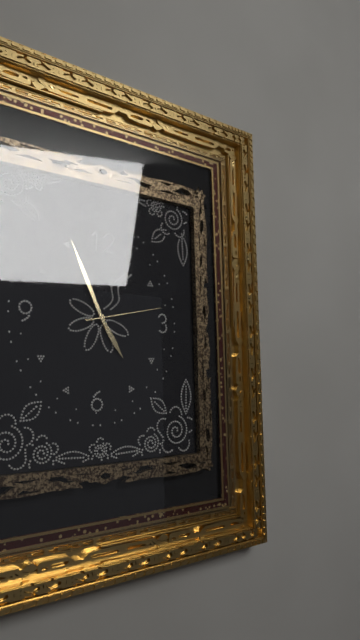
4:56:13
